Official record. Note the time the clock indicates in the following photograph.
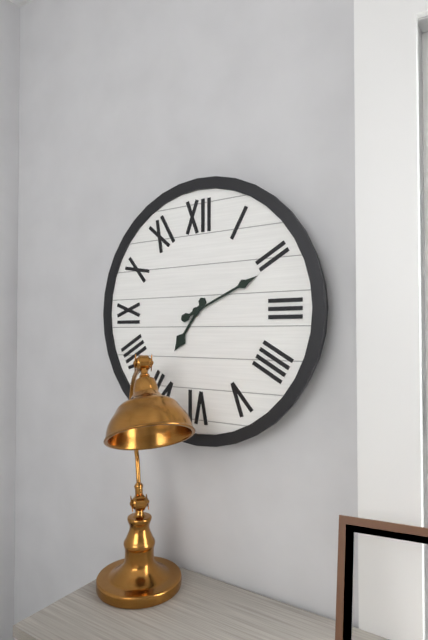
7:11
